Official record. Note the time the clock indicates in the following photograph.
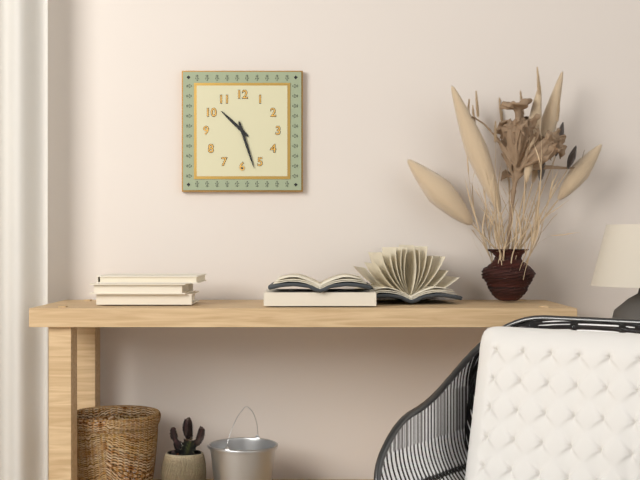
10:27
